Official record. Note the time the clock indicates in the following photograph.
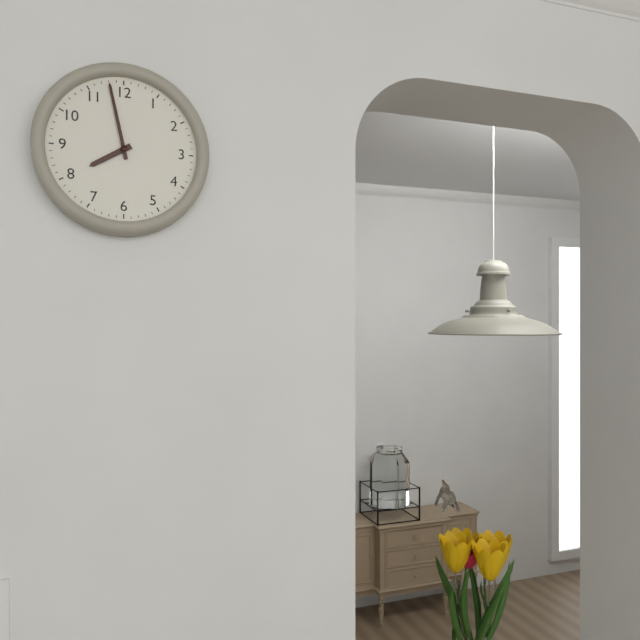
7:58
